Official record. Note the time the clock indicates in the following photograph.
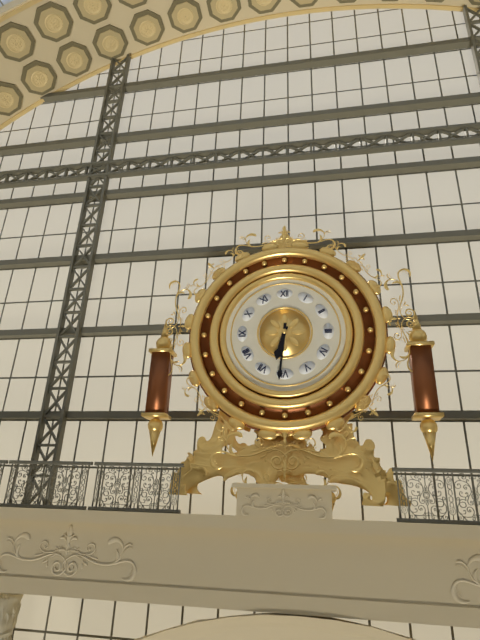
6:31
